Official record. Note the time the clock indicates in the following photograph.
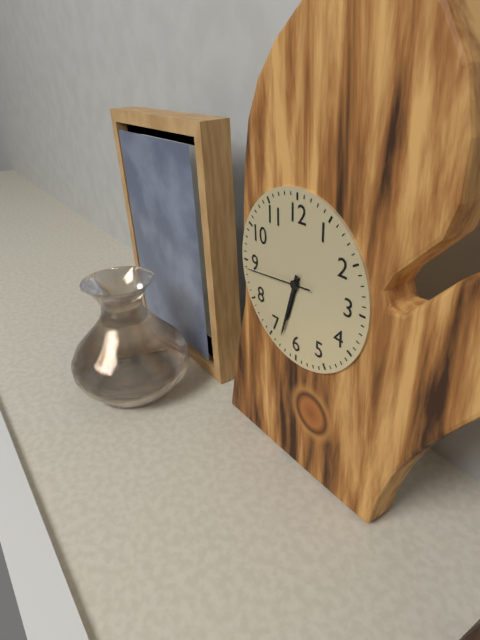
6:33:44
